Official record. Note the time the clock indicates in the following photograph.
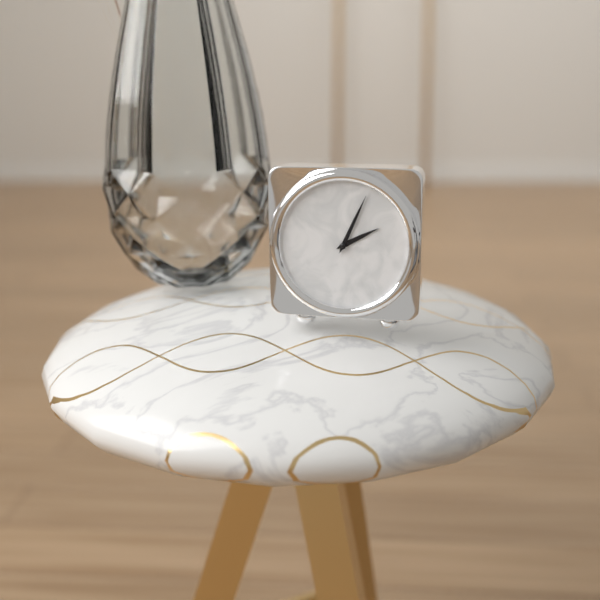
2:04
